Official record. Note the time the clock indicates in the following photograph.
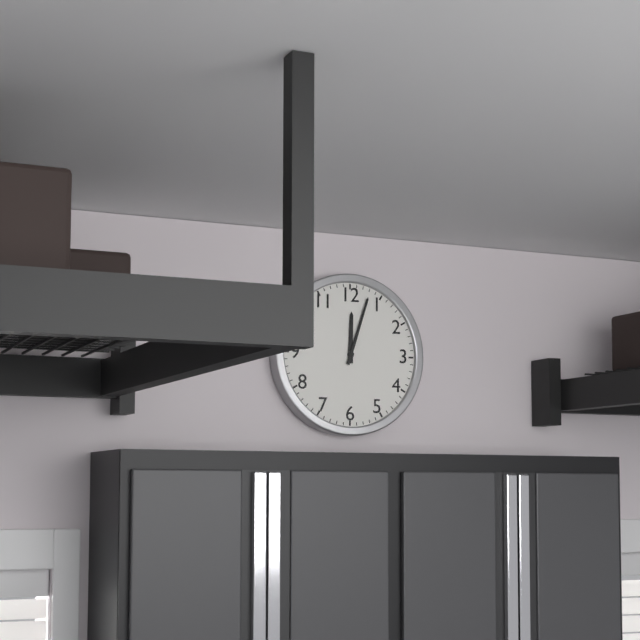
12:03
